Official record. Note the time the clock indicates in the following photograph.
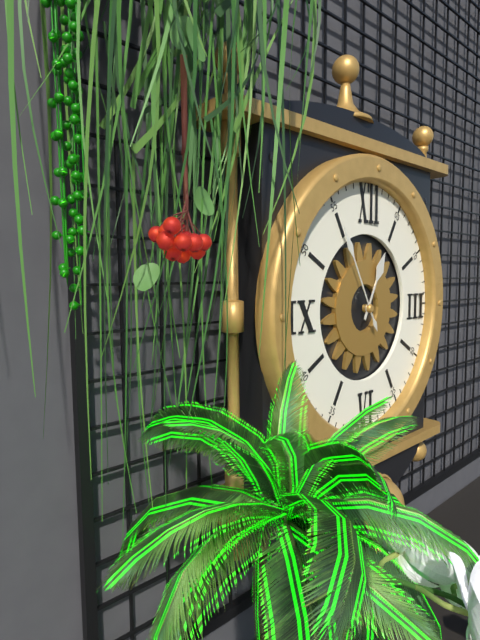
12:55
